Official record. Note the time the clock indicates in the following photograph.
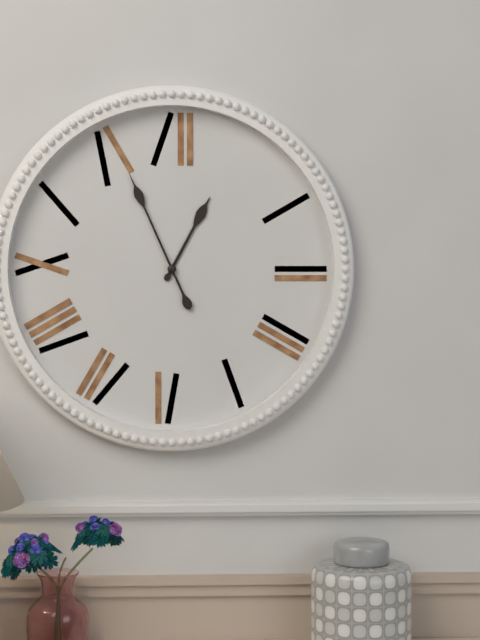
12:56
